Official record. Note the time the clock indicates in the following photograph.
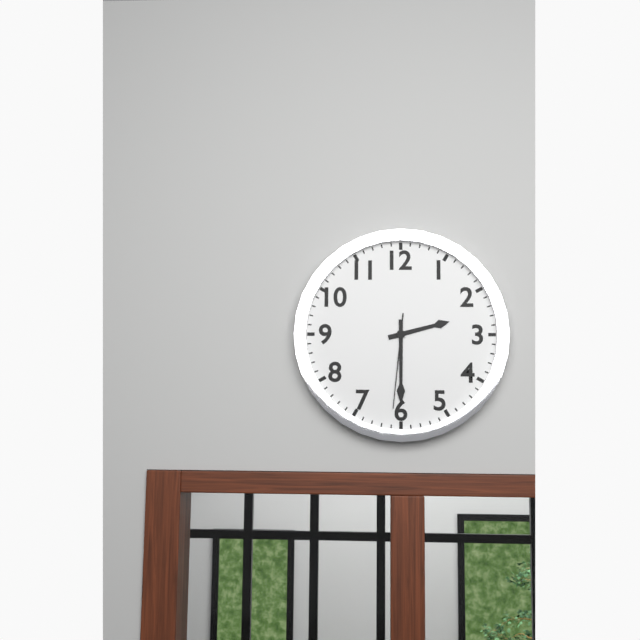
2:30:31
